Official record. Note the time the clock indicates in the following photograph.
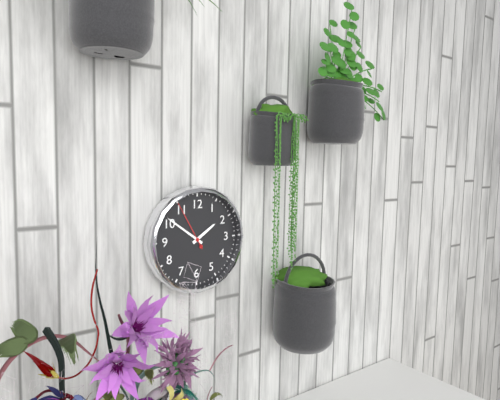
1:51:55
